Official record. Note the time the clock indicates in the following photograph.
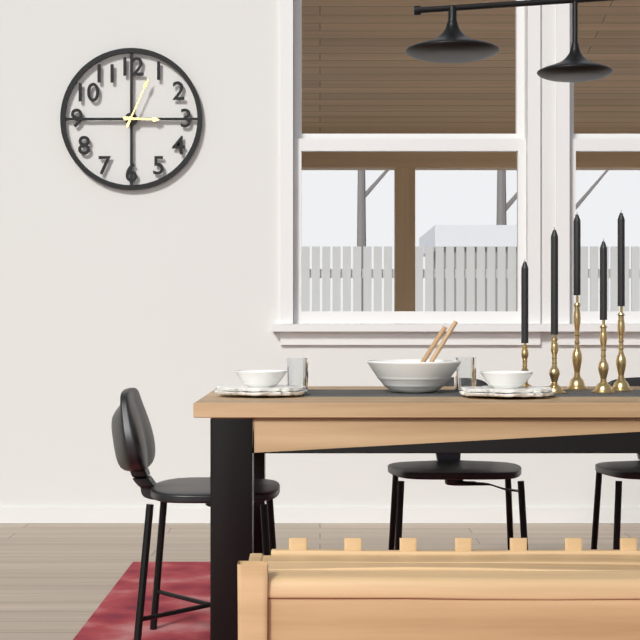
3:04
